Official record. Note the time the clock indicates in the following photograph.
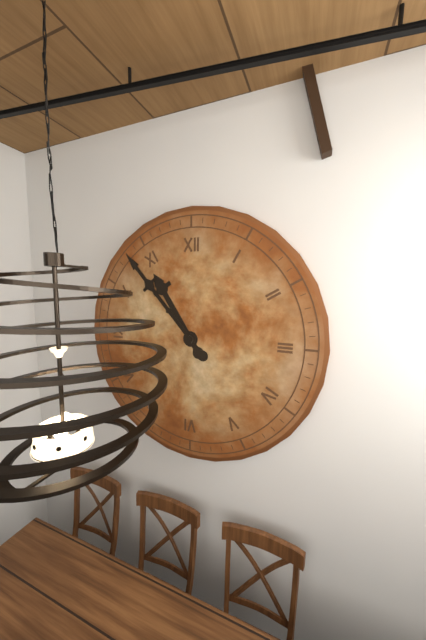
10:53
